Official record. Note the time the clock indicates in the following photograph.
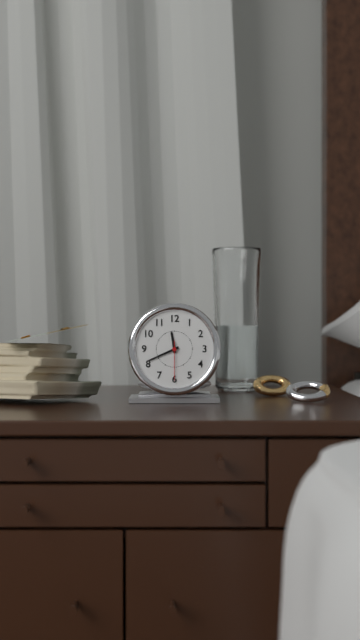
11:41
